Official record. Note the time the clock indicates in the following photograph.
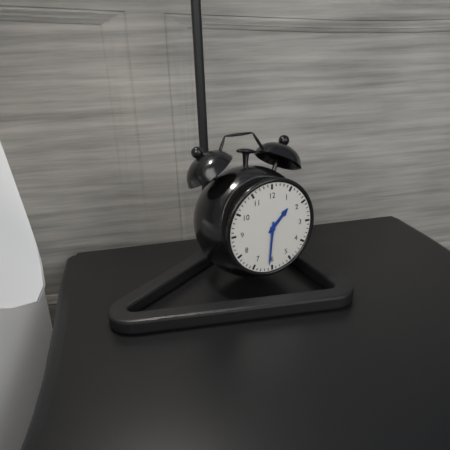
1:31
